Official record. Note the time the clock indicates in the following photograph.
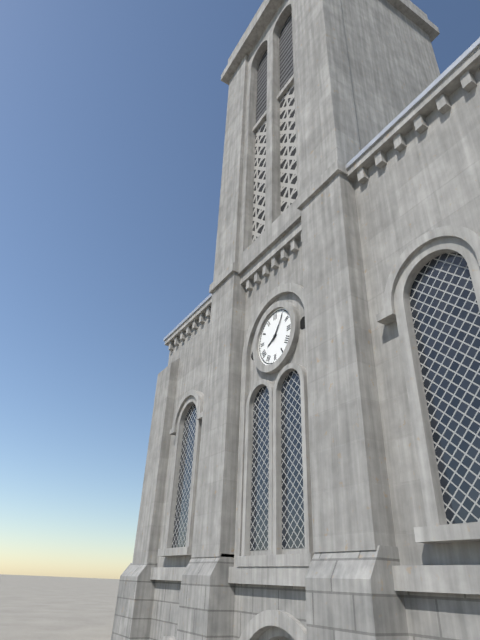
8:06
